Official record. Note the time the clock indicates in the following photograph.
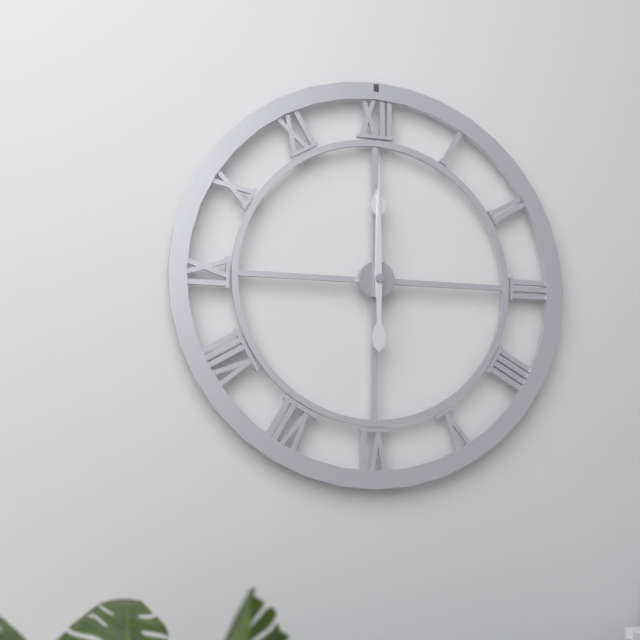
12:00
